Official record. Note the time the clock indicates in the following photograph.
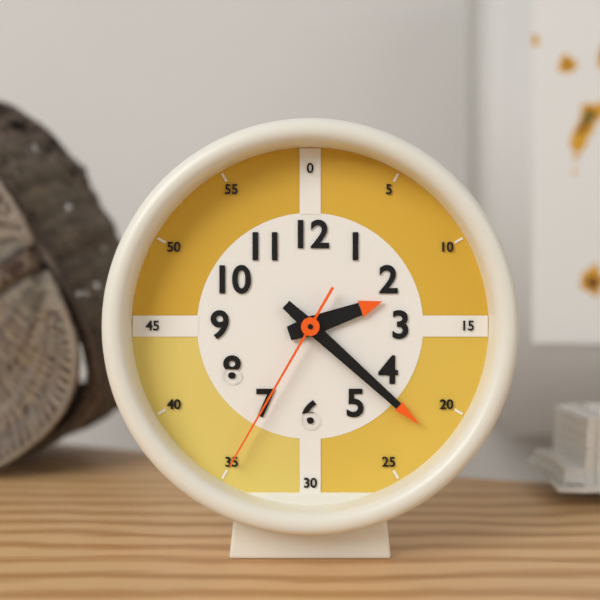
2:22:35
